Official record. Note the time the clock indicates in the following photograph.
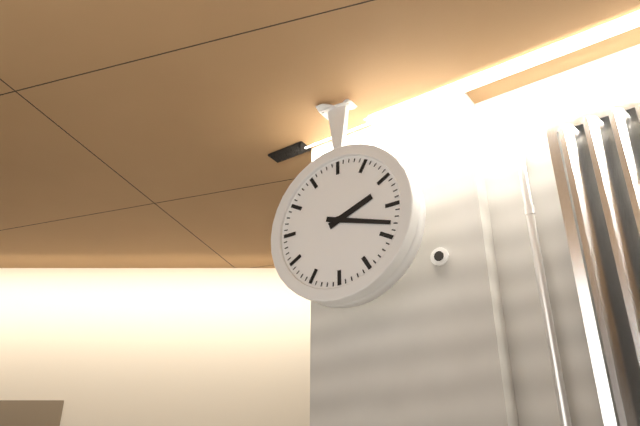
2:18
